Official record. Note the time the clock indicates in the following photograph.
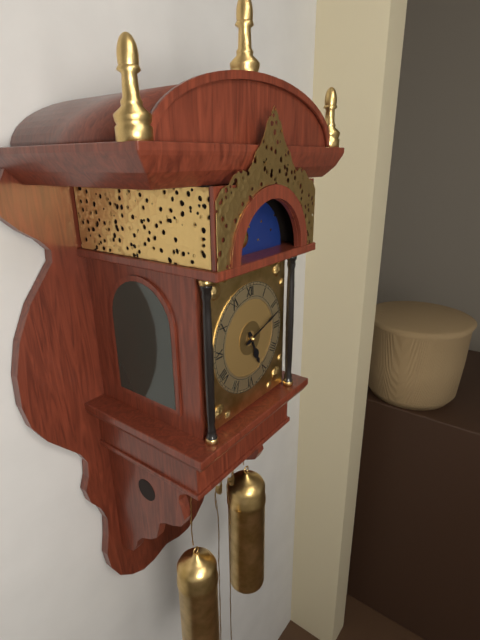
5:12
